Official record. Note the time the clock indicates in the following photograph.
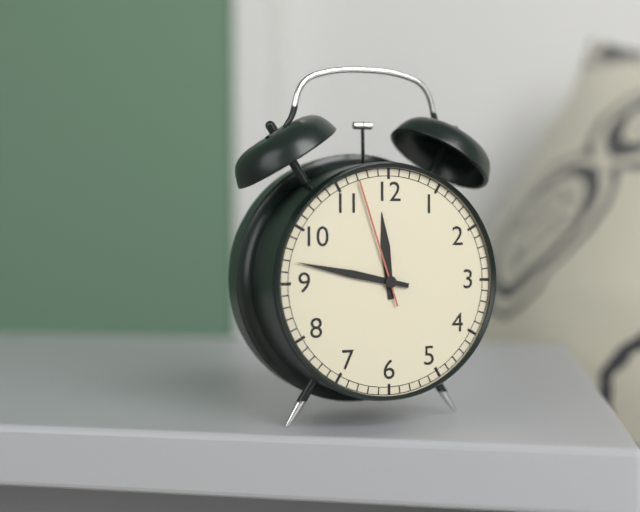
11:47:57
